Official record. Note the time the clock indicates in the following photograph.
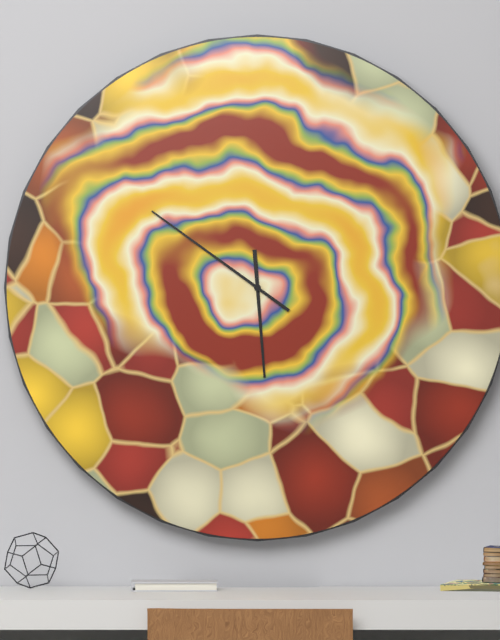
5:51
